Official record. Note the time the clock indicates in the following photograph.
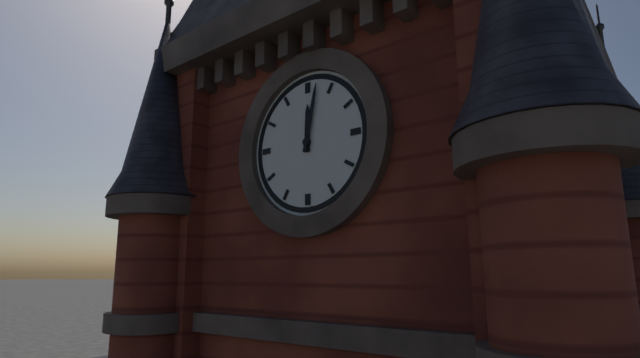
12:02
